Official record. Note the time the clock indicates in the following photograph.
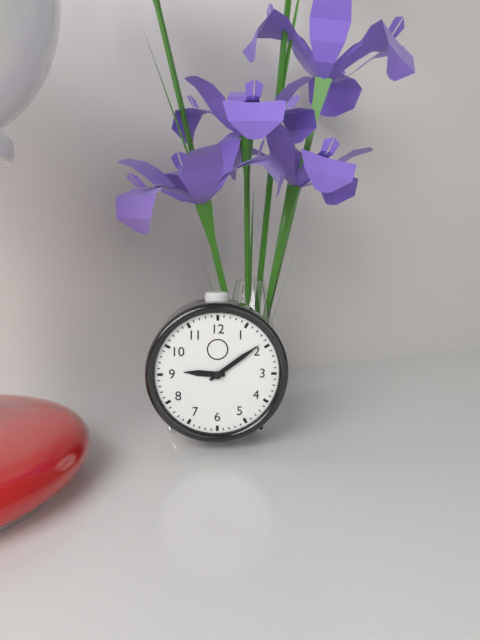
9:09
